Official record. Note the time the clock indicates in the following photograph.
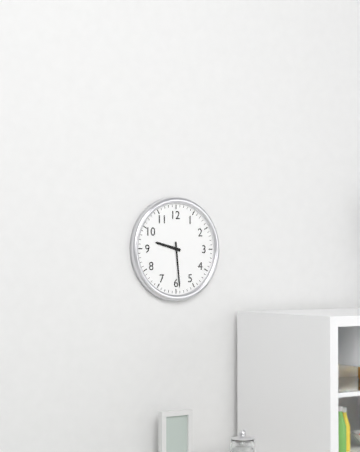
9:29
